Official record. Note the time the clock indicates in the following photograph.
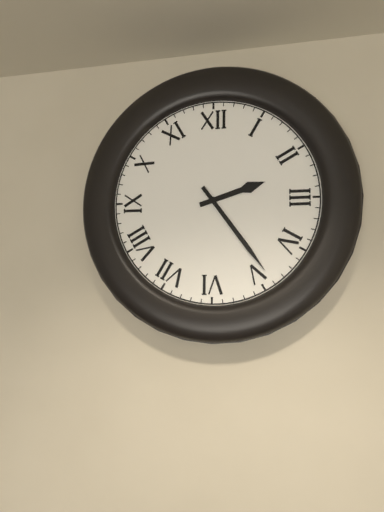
2:24
